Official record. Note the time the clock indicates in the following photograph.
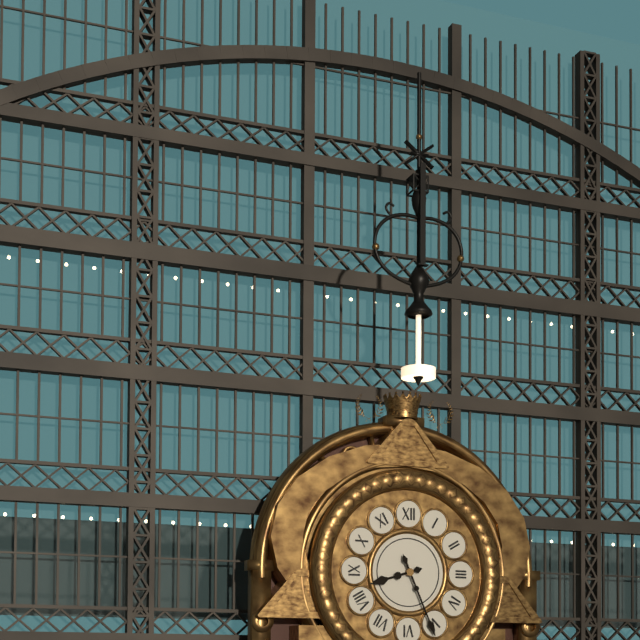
8:26
